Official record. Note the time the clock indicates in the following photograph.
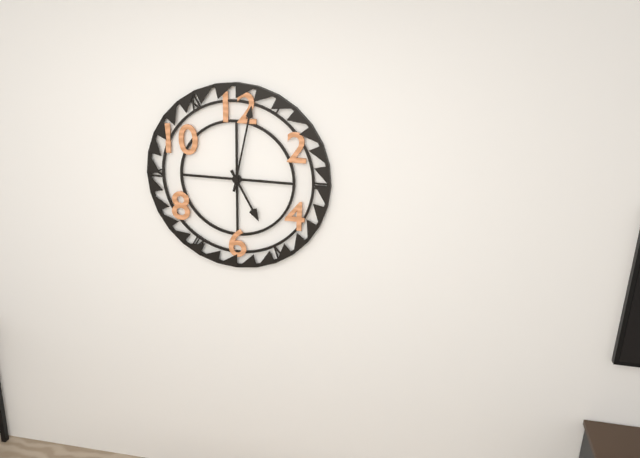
5:02
